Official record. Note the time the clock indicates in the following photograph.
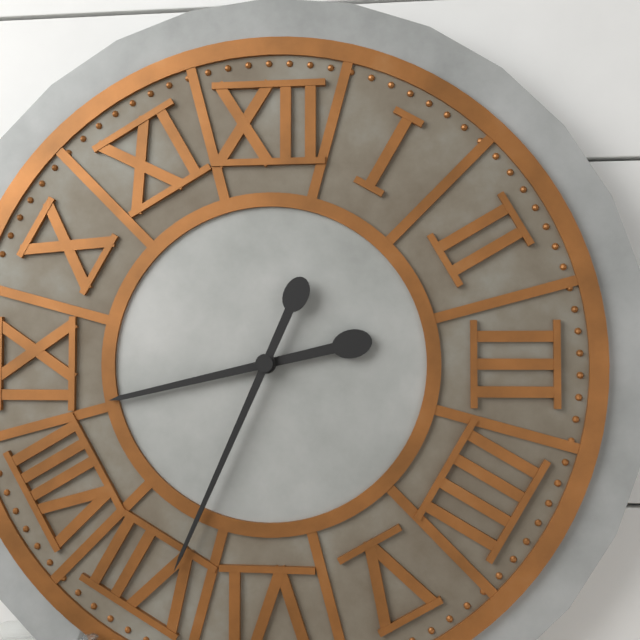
8:34
